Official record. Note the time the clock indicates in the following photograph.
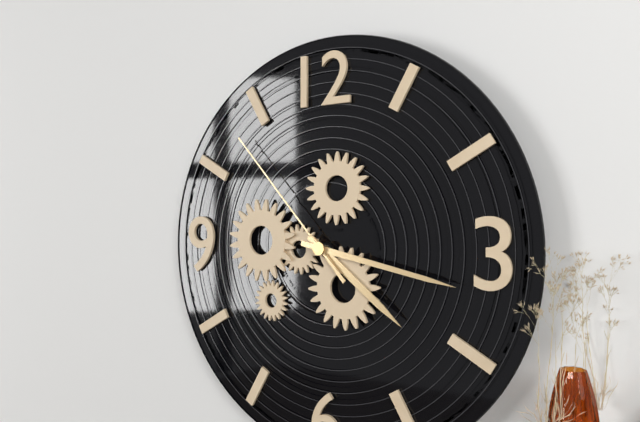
4:17:53
